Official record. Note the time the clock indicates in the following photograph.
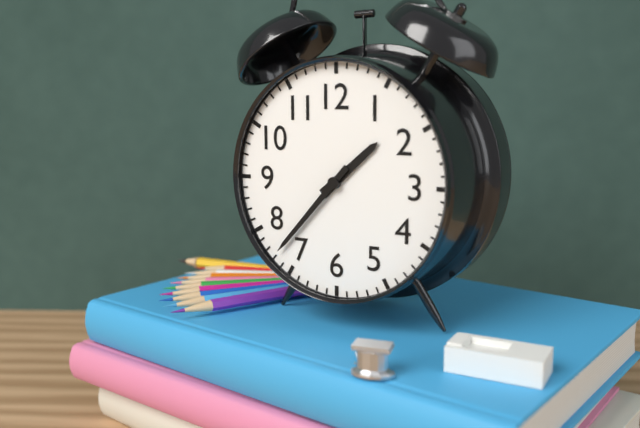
1:37
